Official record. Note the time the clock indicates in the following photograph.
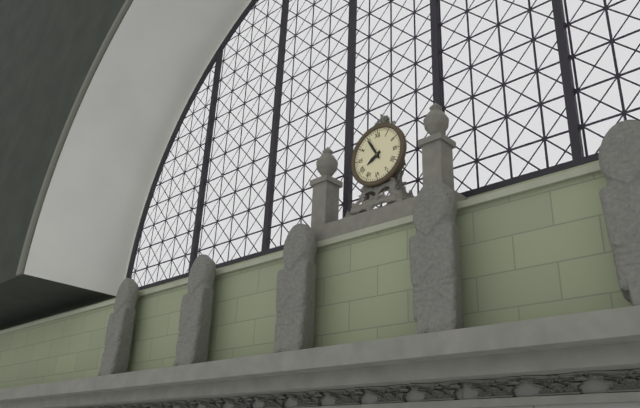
7:55
